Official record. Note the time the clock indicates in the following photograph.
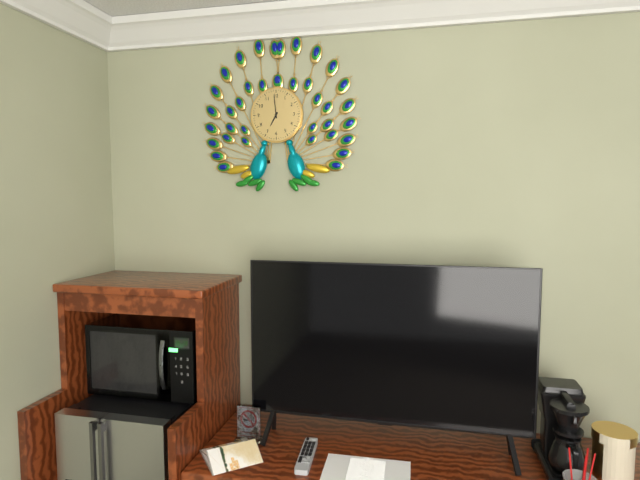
6:59
